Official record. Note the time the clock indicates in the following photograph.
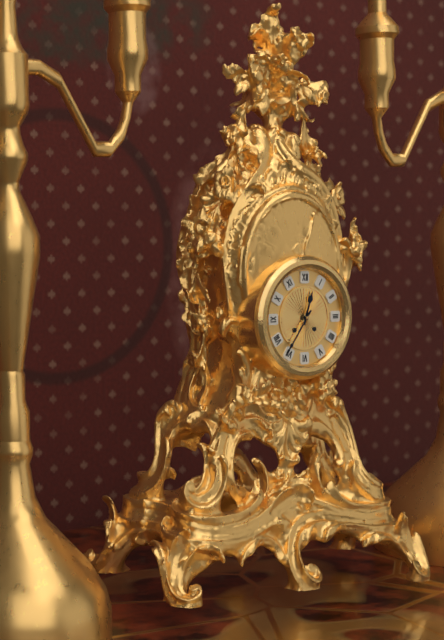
12:36
